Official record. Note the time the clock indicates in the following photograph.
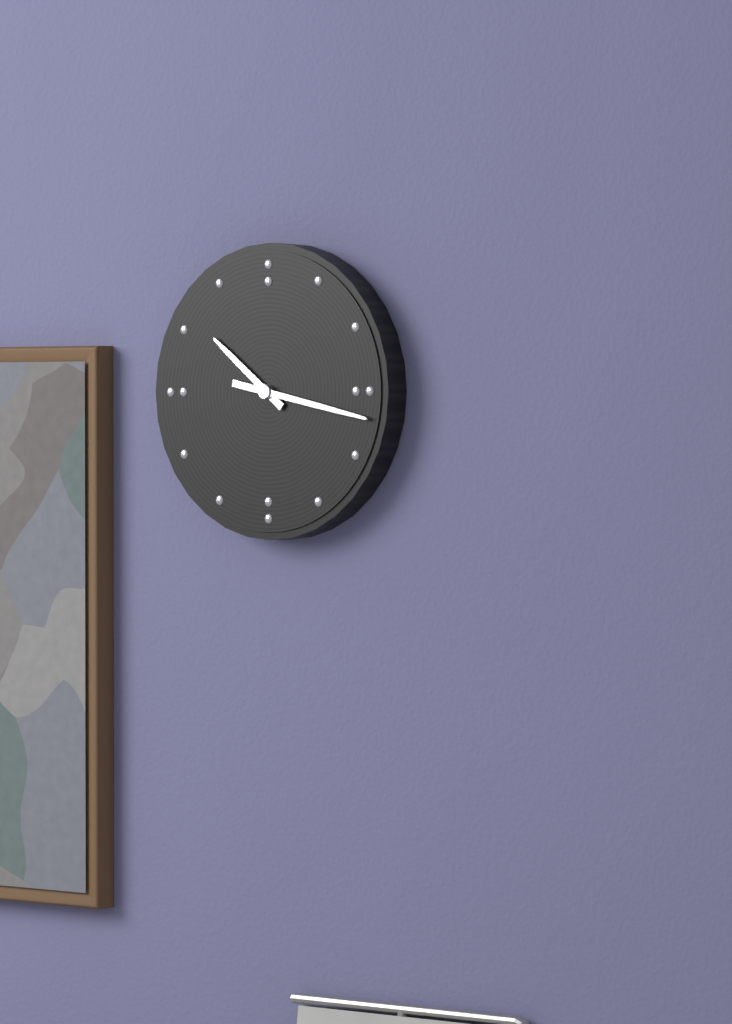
10:17
